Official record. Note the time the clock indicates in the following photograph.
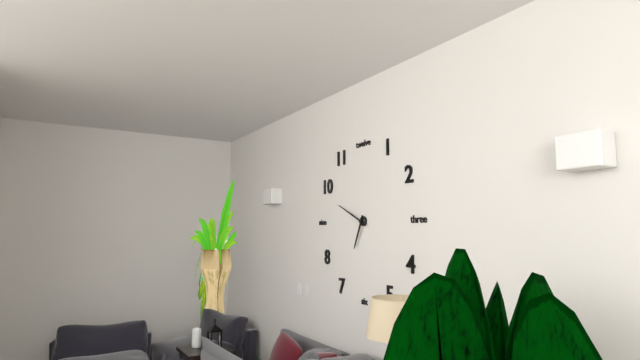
6:49
